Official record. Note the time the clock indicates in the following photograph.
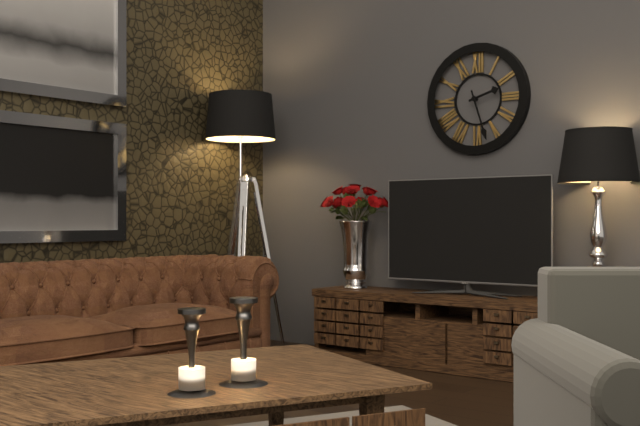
2:27
